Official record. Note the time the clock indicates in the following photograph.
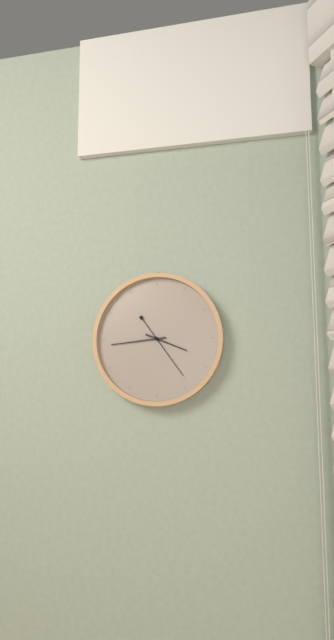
3:44:24
